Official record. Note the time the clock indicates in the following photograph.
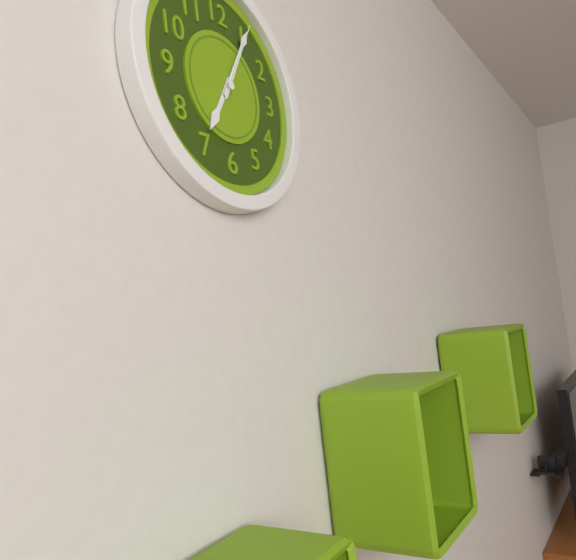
7:05:05
